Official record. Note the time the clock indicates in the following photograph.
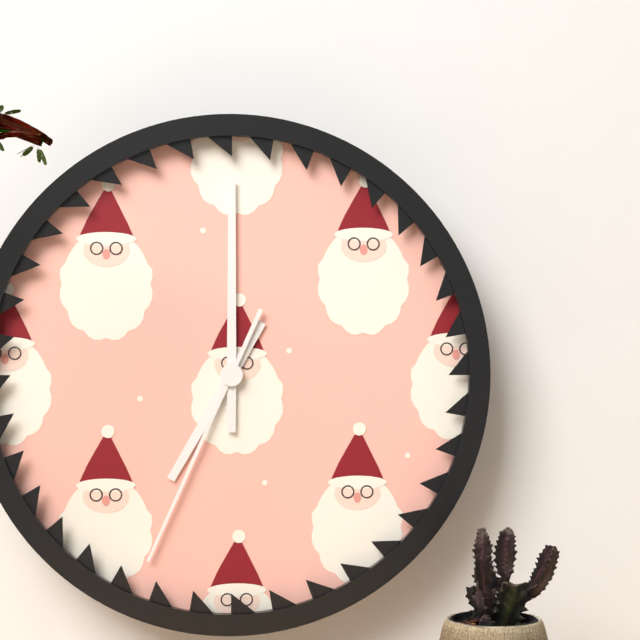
7:00:34
